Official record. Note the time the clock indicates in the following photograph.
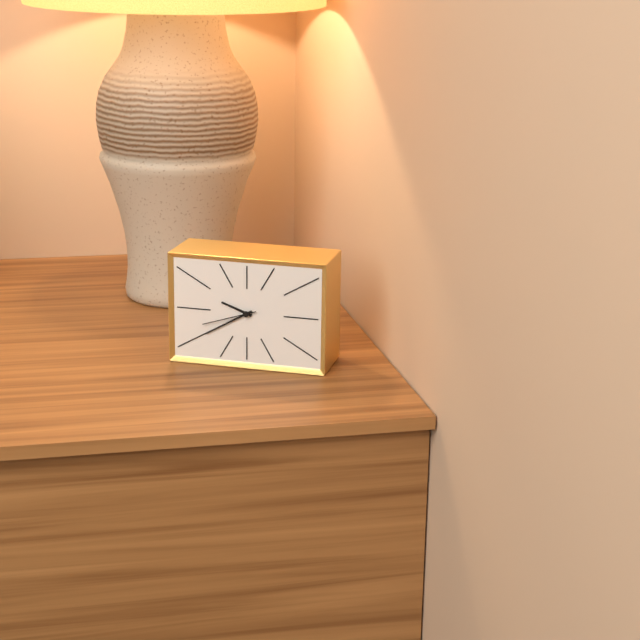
9:40:42
